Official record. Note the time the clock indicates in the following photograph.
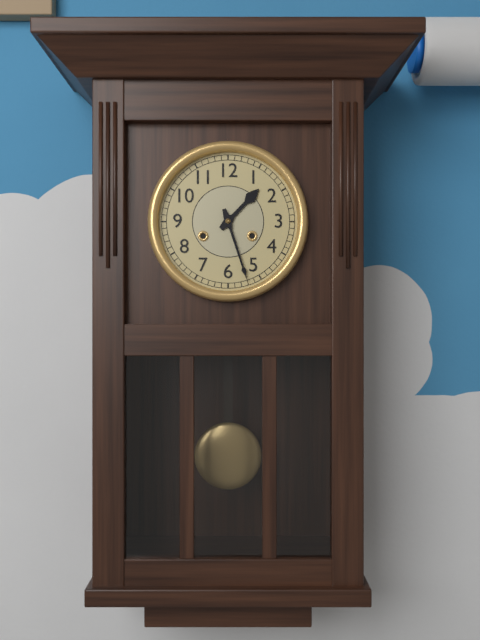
1:27
